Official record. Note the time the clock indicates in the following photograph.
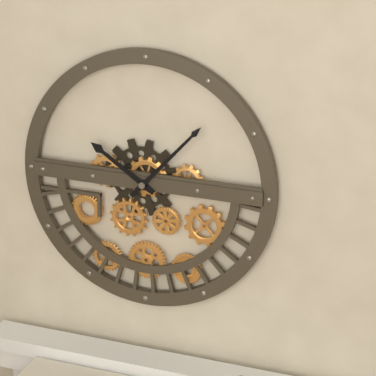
10:07
